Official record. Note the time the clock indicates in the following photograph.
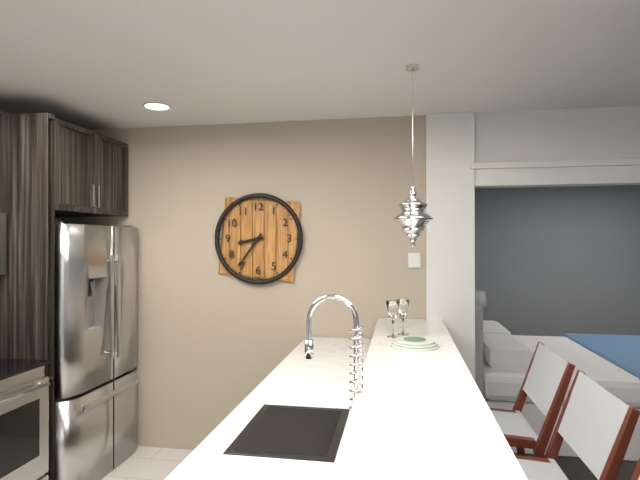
8:36
